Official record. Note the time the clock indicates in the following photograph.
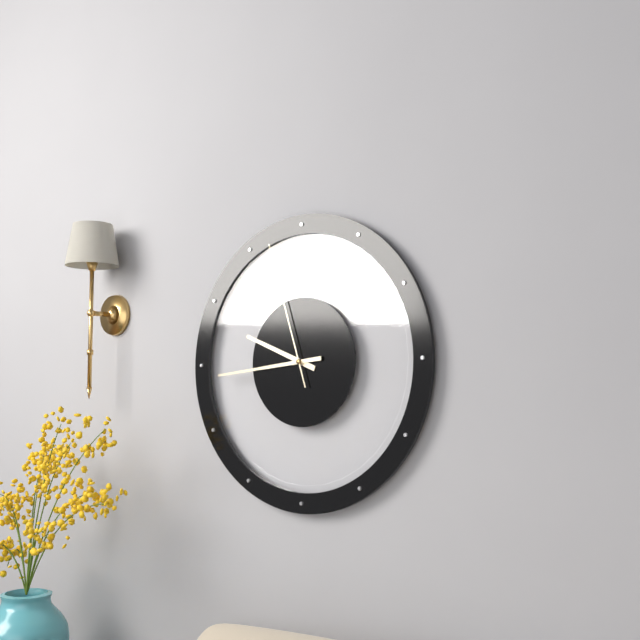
9:44:57
